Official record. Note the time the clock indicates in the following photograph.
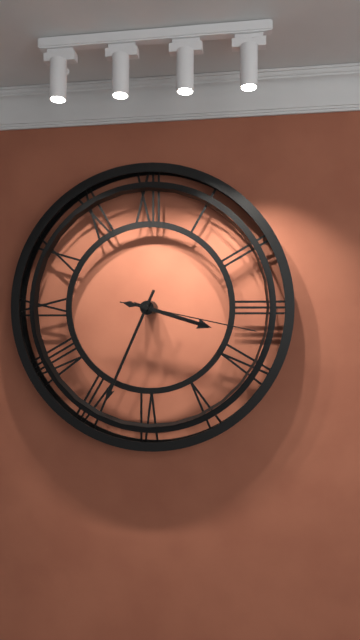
3:34:17
